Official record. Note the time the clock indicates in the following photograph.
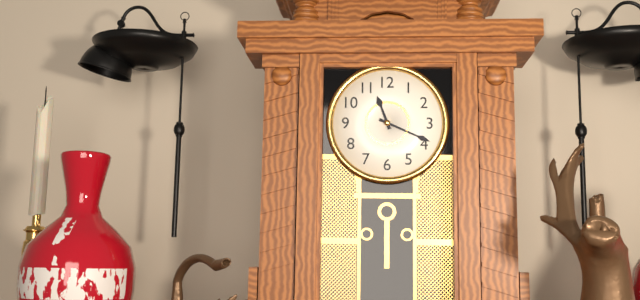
11:19
